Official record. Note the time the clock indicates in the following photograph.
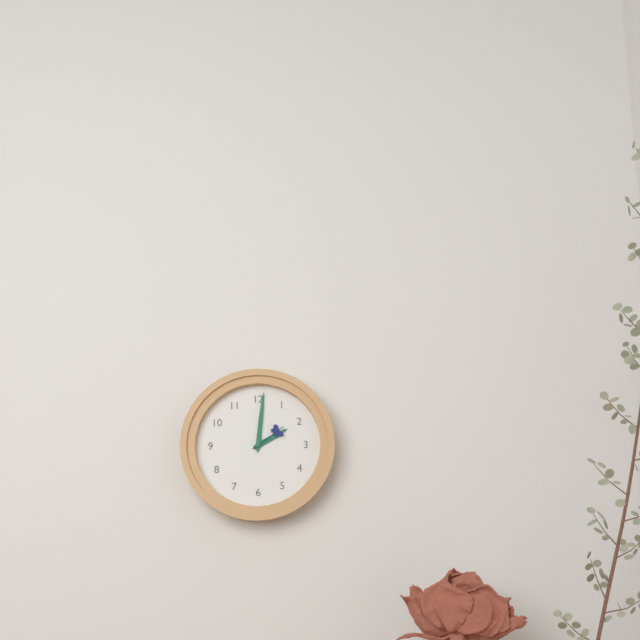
2:01
